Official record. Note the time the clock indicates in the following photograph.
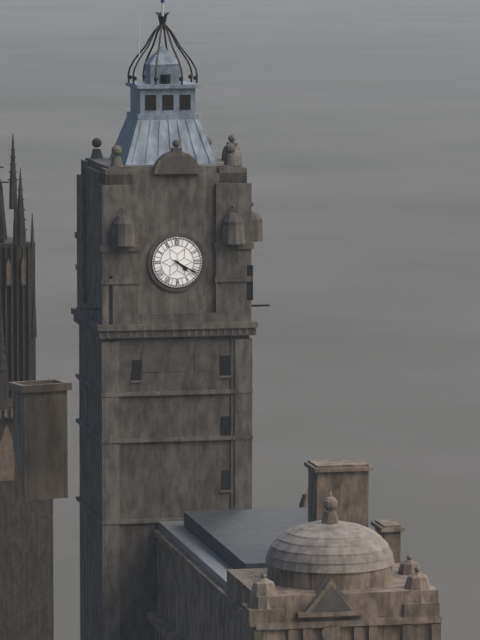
4:20
